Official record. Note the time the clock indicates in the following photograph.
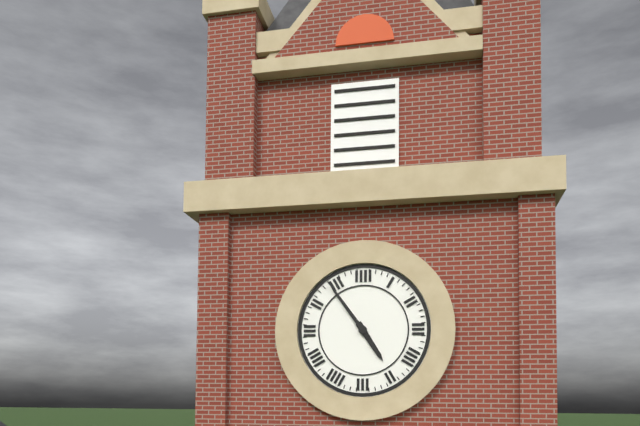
4:54
